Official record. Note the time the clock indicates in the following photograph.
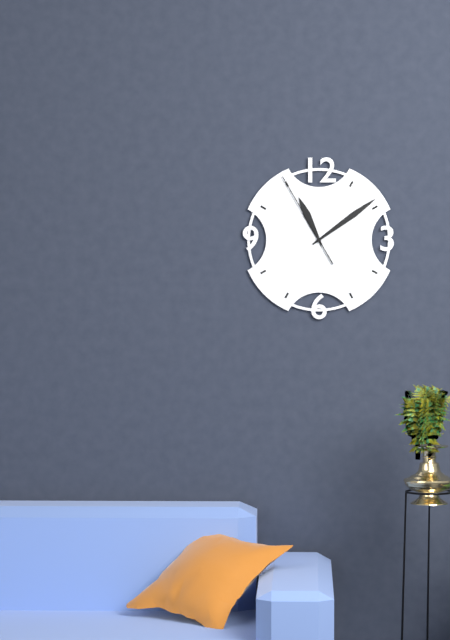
11:09:55
